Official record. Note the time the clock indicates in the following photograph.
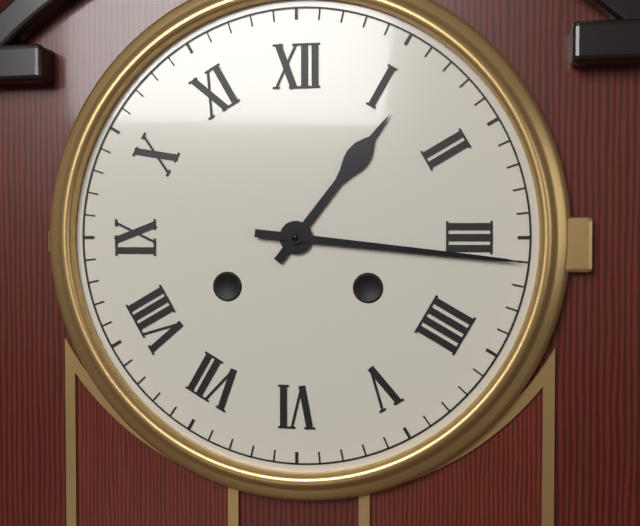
1:16
